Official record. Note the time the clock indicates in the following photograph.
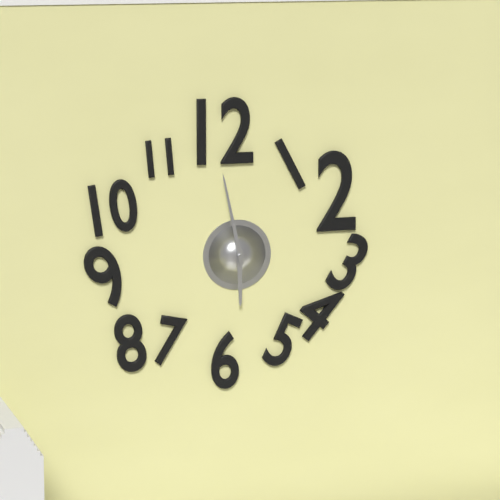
5:58
